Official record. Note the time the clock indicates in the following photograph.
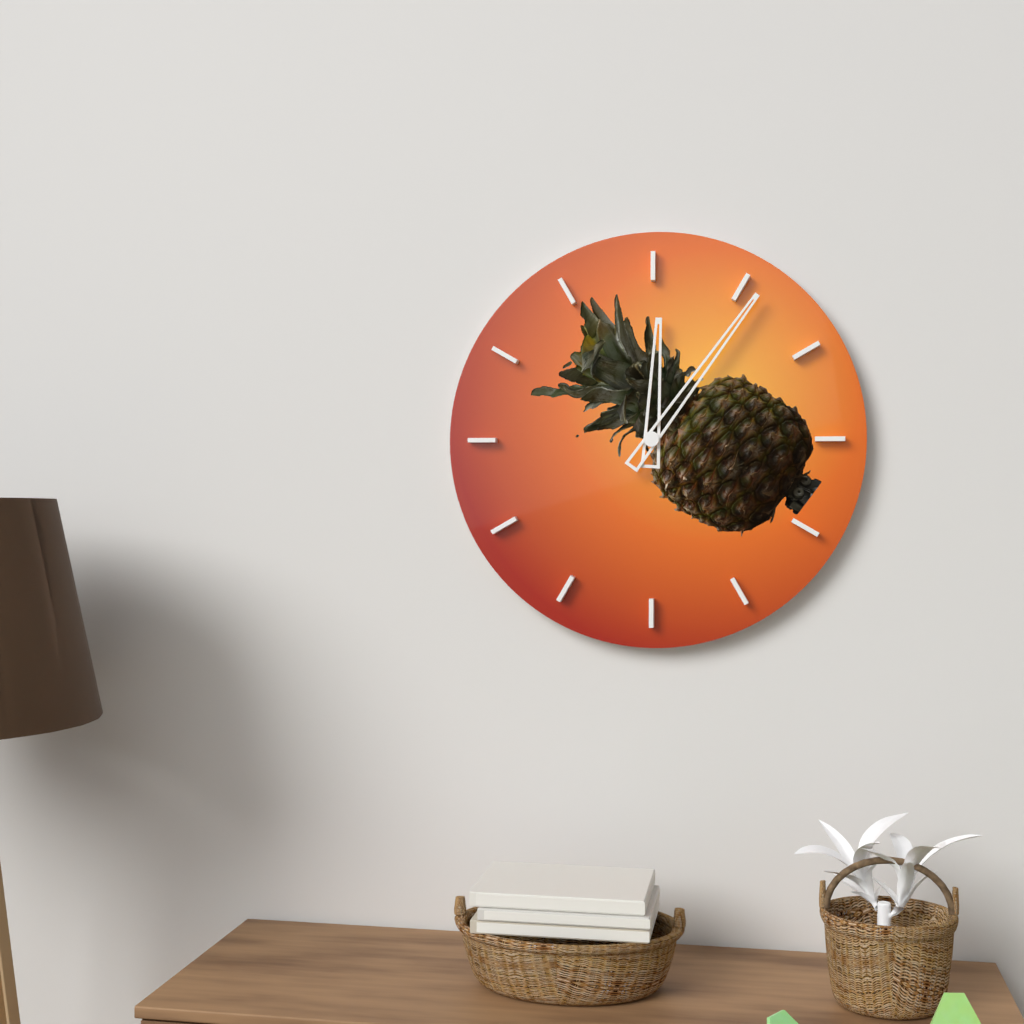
12:06
